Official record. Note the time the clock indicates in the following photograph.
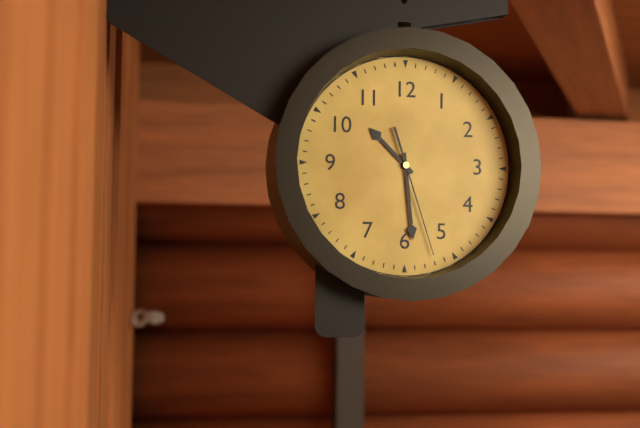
10:29:27
